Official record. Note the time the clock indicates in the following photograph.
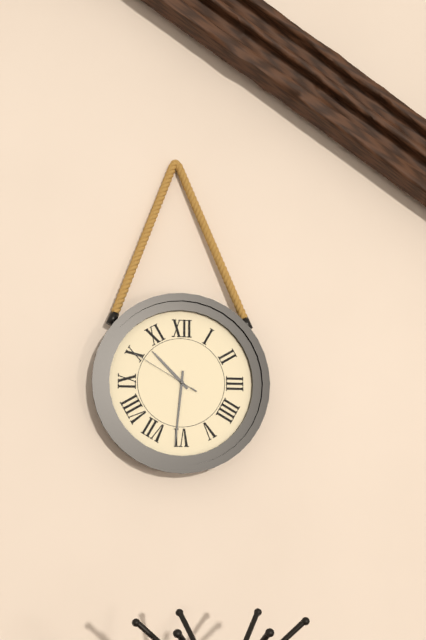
10:31:50
